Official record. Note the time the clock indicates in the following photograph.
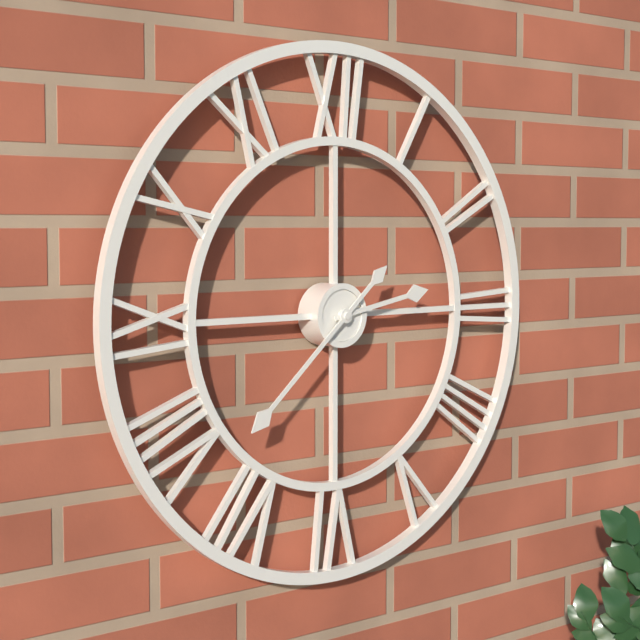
2:38
